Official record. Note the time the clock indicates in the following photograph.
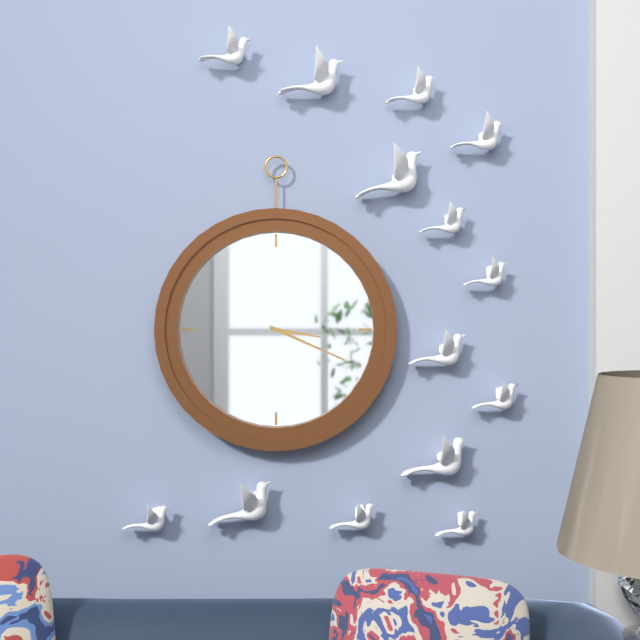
3:19
